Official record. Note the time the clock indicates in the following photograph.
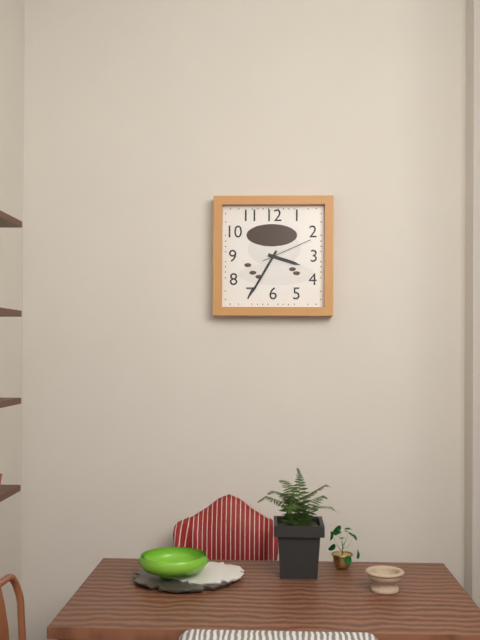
3:35:11
